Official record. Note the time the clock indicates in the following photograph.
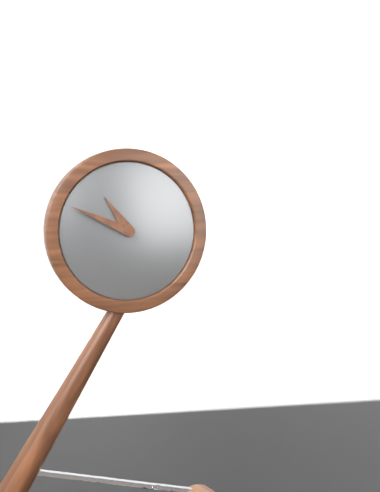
10:49
